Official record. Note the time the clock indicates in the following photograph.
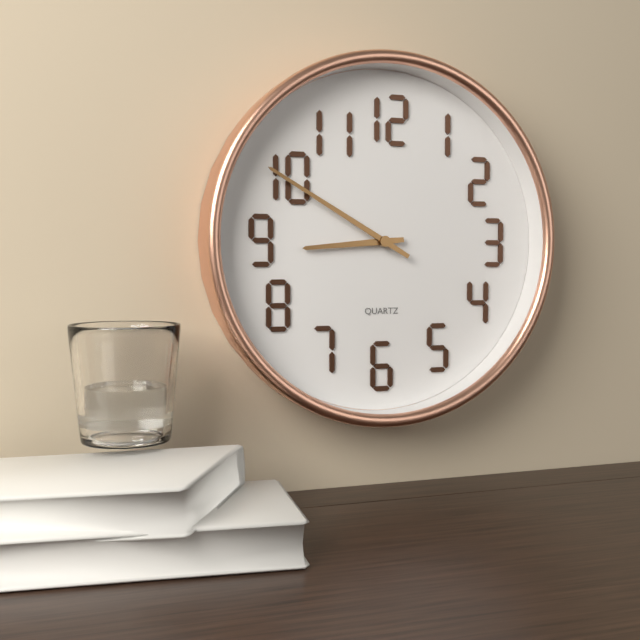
8:50
